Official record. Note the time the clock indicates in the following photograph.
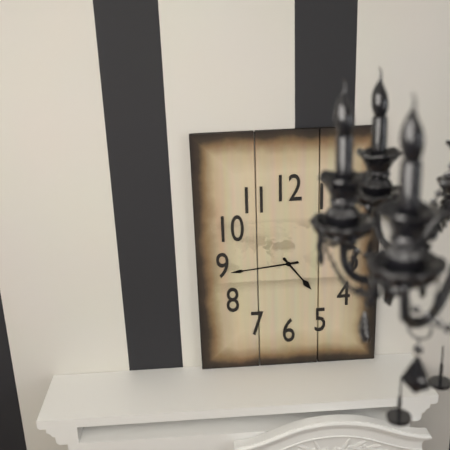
4:44
